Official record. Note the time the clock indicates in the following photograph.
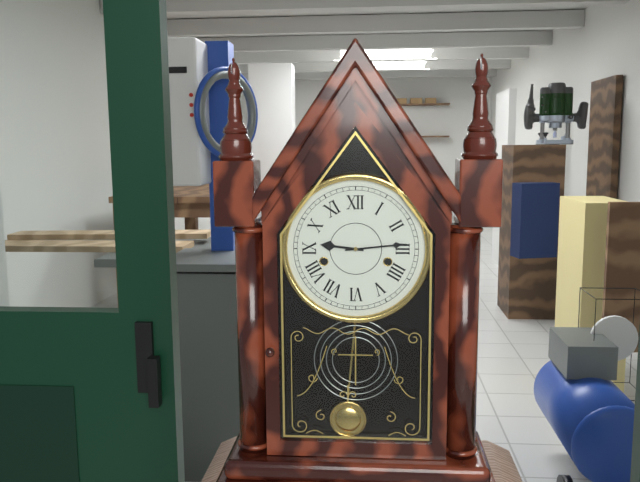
9:14
